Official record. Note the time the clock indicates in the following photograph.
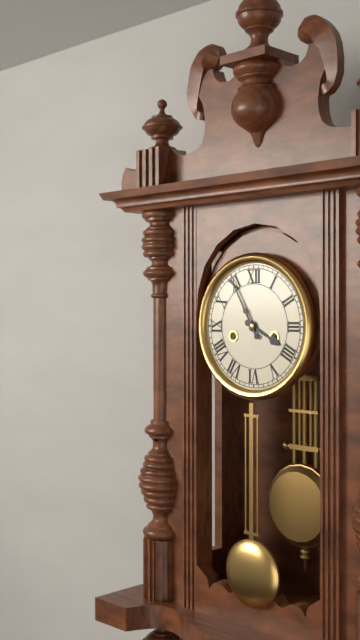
3:55
